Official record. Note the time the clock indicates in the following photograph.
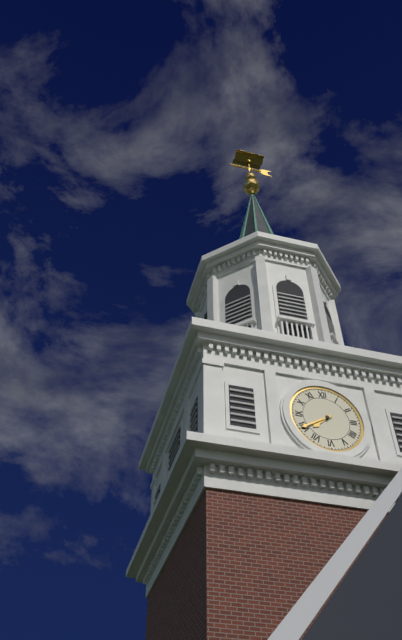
7:40
